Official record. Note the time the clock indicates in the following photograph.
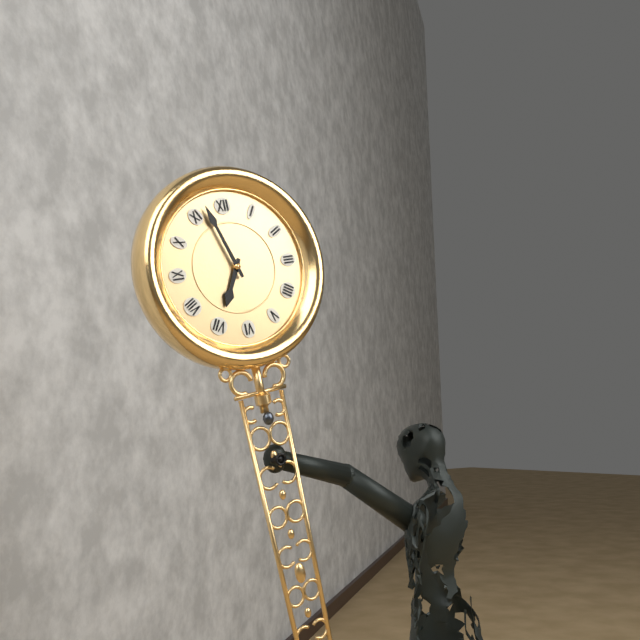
6:57
